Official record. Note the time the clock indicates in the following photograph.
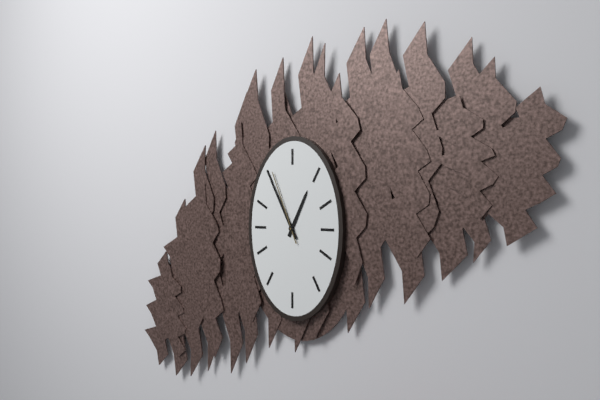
12:55:56
